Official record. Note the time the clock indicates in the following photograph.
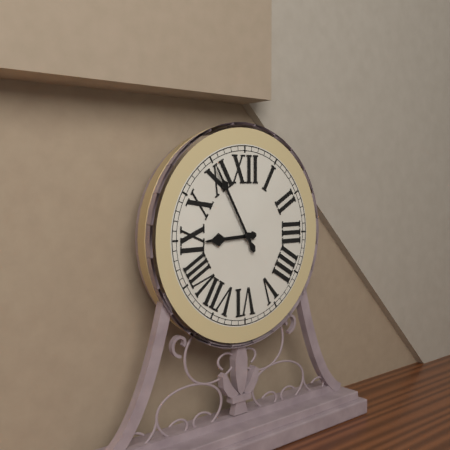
8:55
